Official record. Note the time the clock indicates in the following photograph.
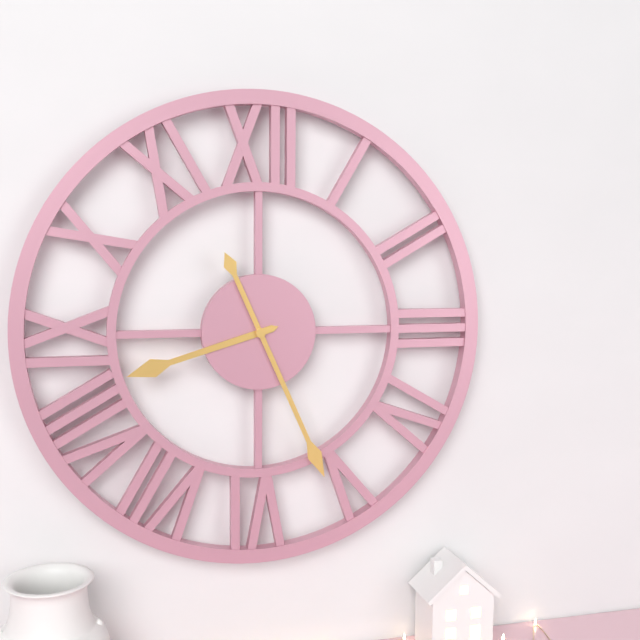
8:26
